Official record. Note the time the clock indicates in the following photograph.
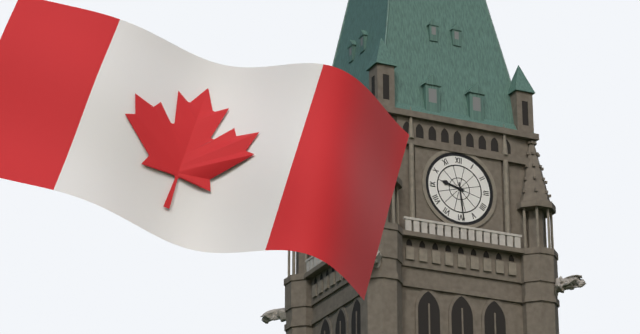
9:29
